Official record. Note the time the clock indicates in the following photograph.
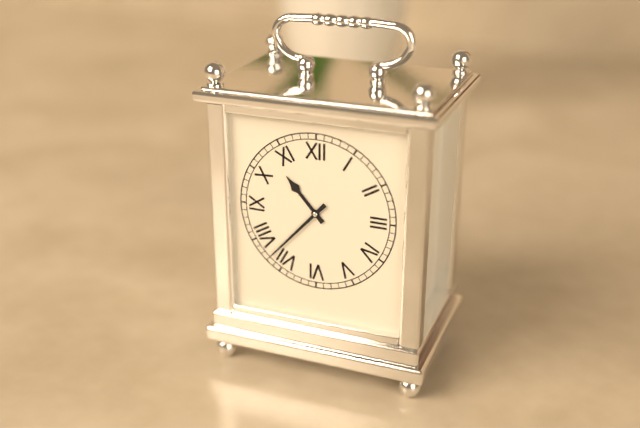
10:37
